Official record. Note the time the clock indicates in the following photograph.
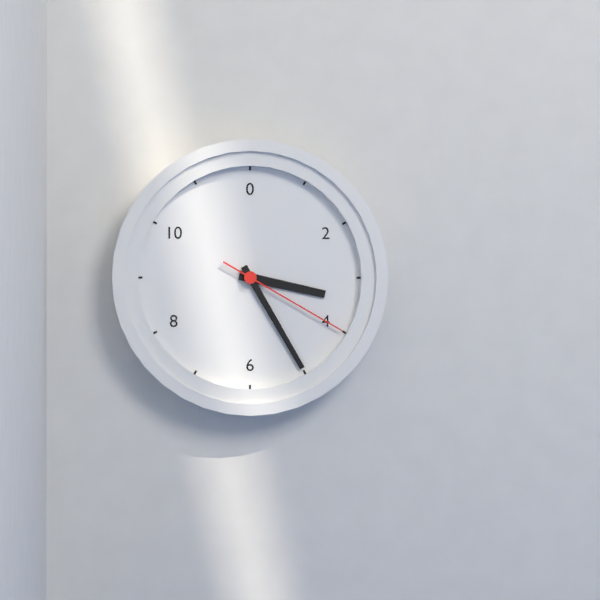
3:25:20
